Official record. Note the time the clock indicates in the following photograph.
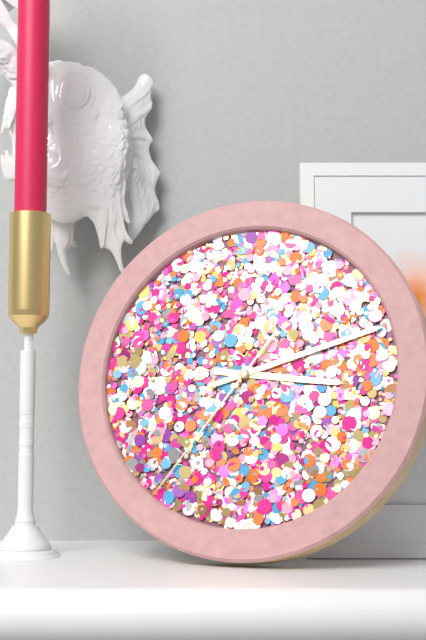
3:12:36
